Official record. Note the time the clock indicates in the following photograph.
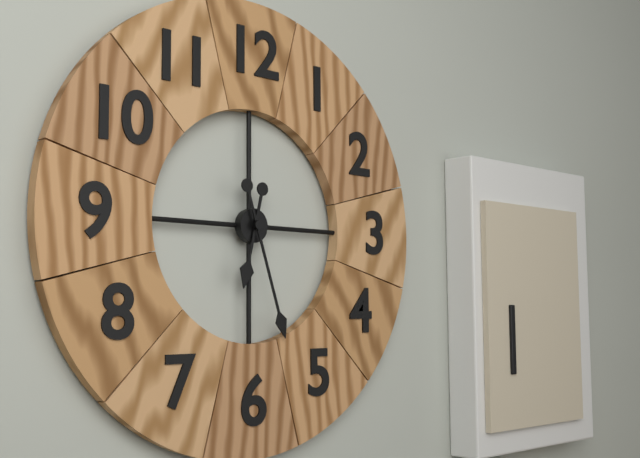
6:27
